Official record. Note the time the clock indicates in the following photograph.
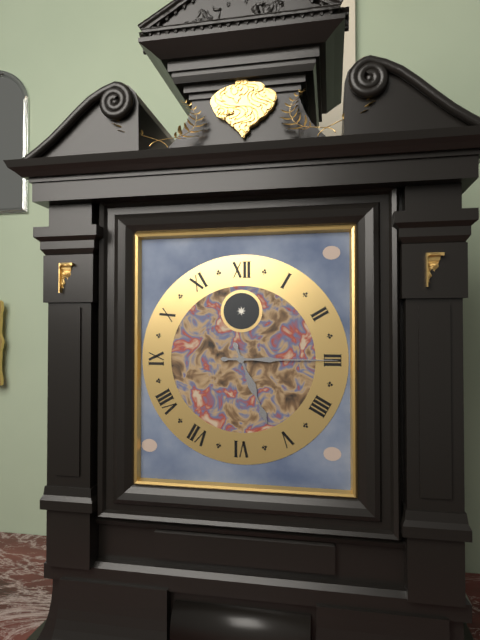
5:15
